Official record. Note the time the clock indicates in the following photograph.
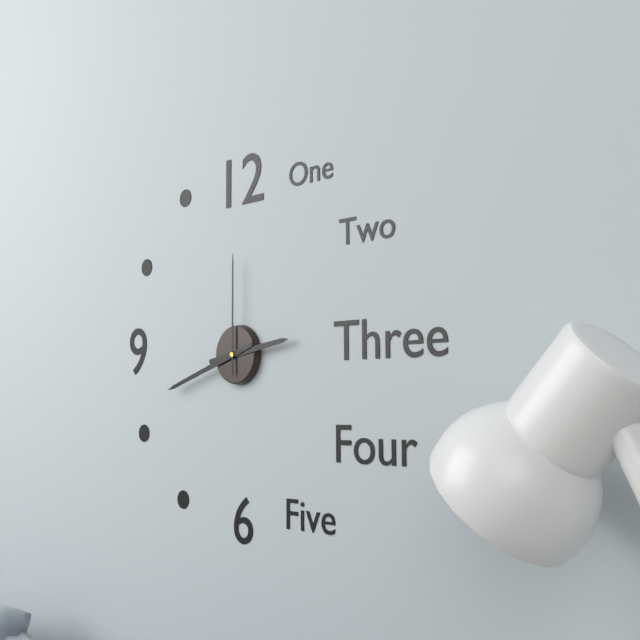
2:42:00
